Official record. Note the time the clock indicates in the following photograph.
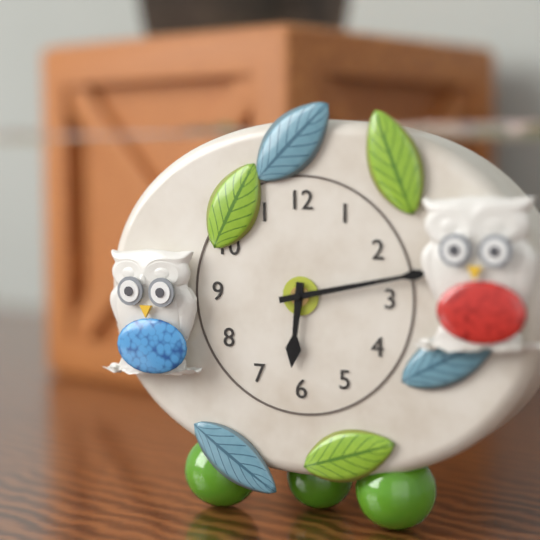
6:13
